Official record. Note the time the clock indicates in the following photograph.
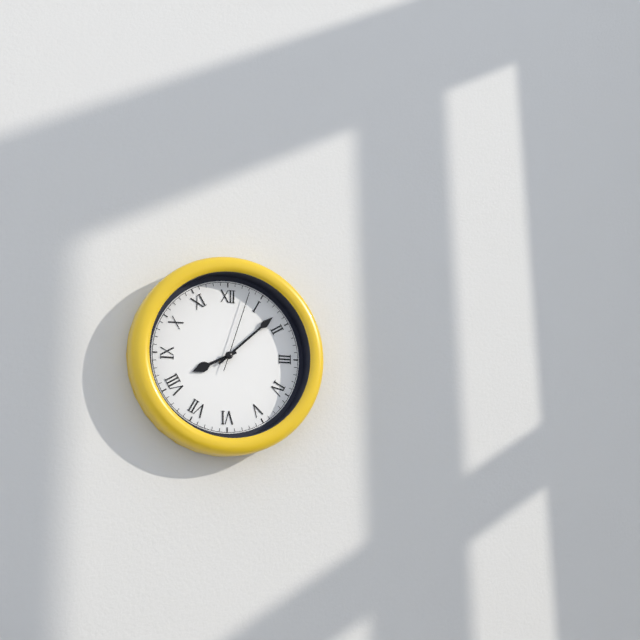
8:08:03
